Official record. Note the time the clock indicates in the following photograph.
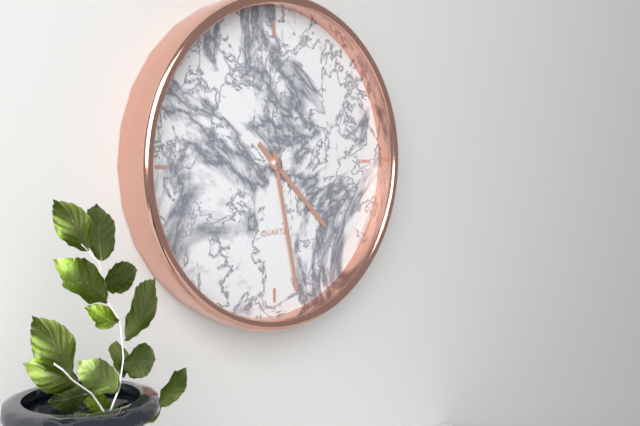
4:28
